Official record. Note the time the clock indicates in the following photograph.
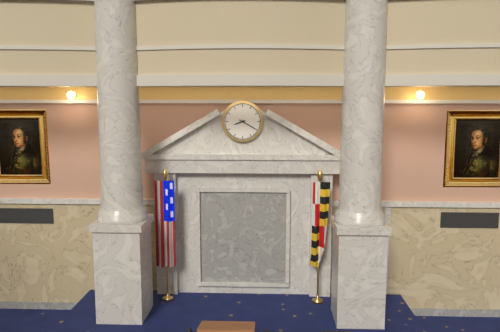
8:20
